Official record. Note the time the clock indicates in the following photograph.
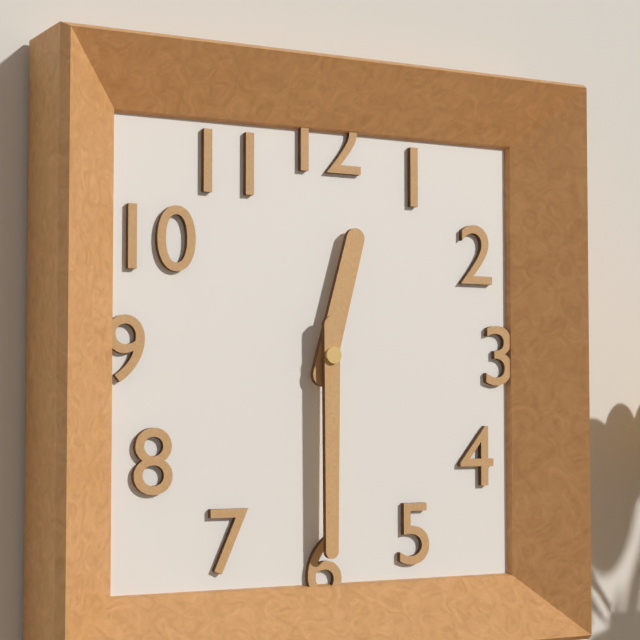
12:30
